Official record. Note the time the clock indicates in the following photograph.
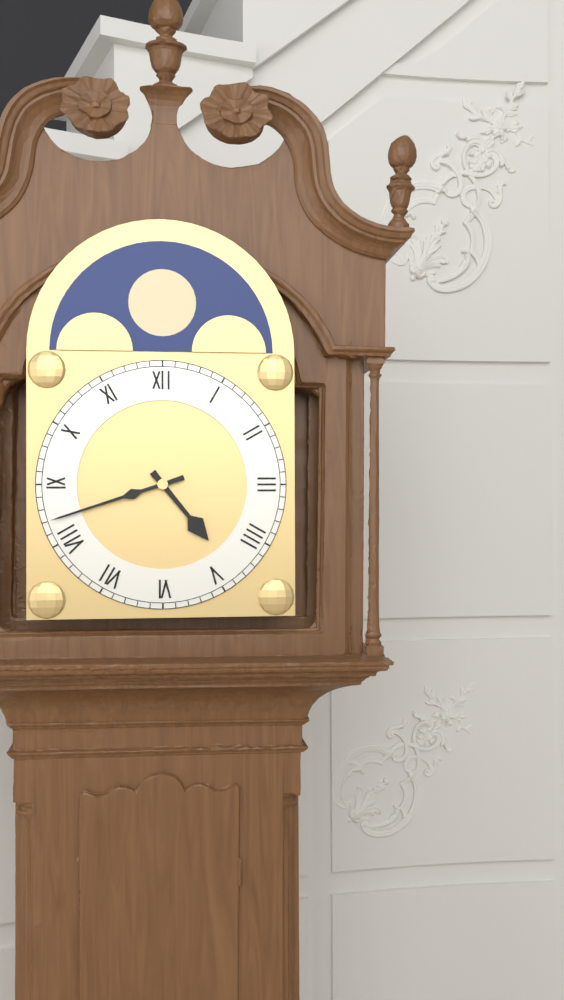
4:42
